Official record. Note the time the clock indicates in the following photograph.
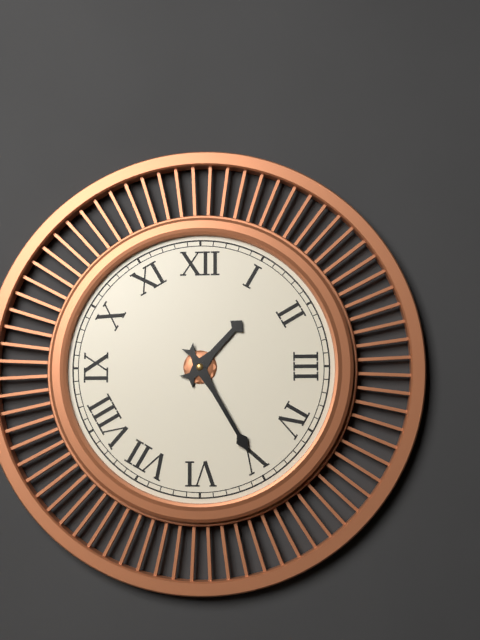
1:25
